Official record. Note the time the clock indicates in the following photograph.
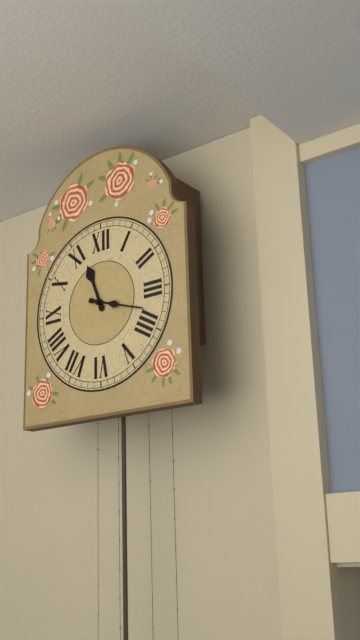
11:18
